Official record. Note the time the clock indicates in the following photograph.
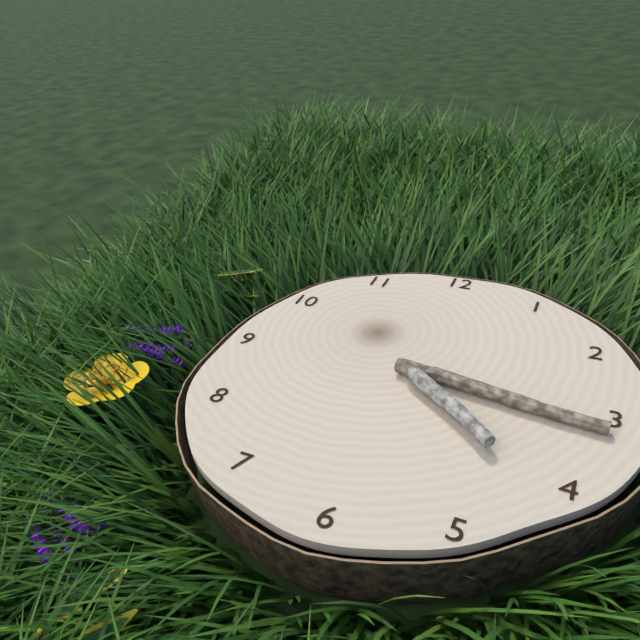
4:16
